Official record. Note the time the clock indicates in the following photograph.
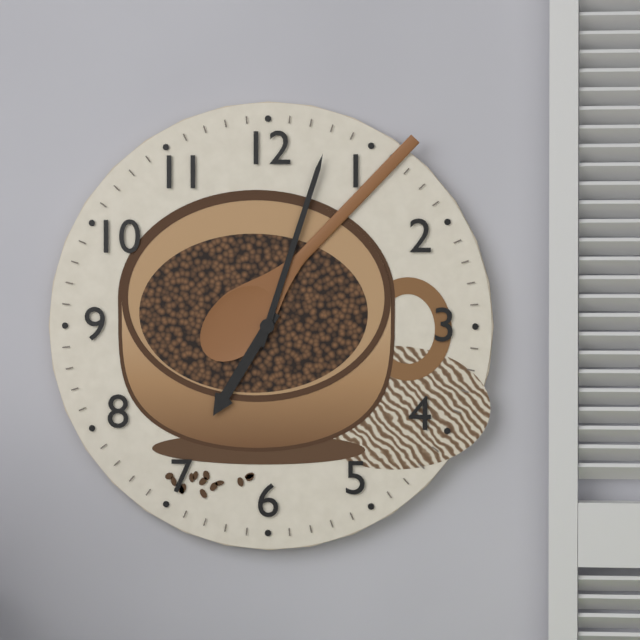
7:03
